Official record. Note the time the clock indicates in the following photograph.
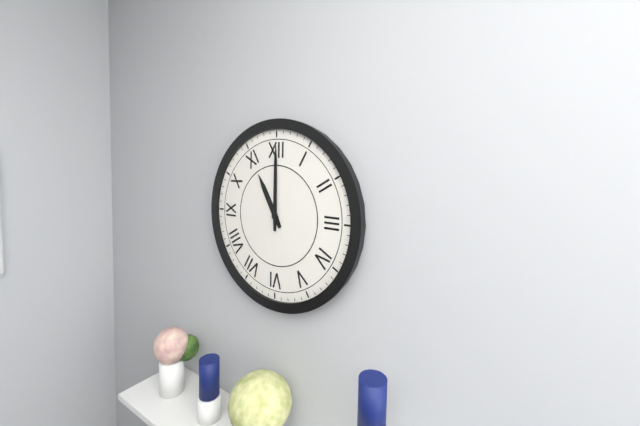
11:00
